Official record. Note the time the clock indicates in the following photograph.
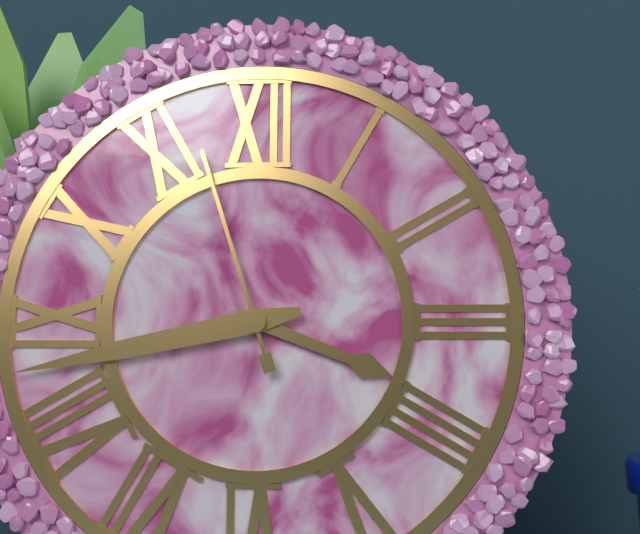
3:43:57
